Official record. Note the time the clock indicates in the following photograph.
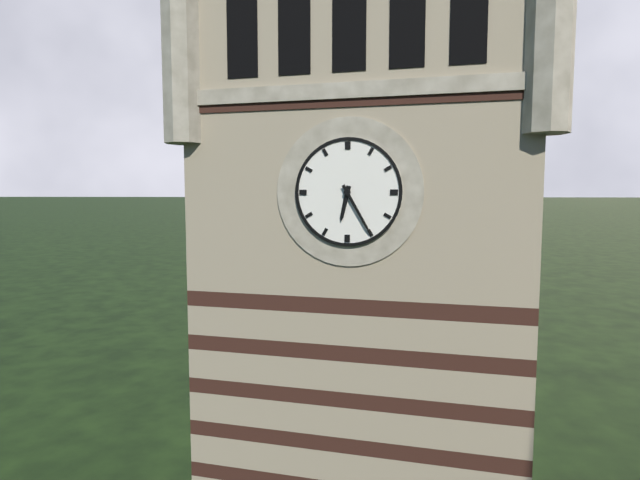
6:25
